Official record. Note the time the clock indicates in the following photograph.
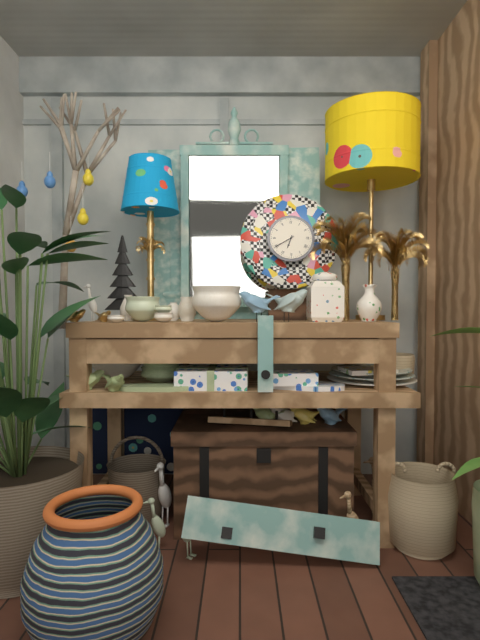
6:40
